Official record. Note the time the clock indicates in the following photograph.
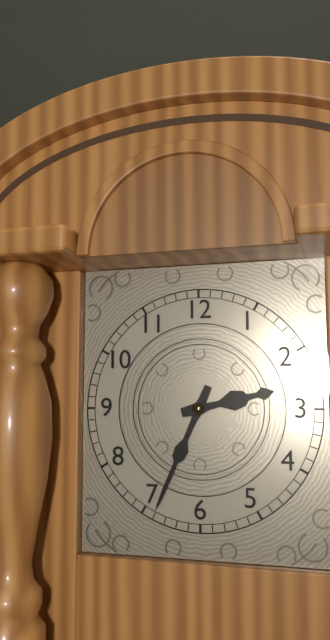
2:34
